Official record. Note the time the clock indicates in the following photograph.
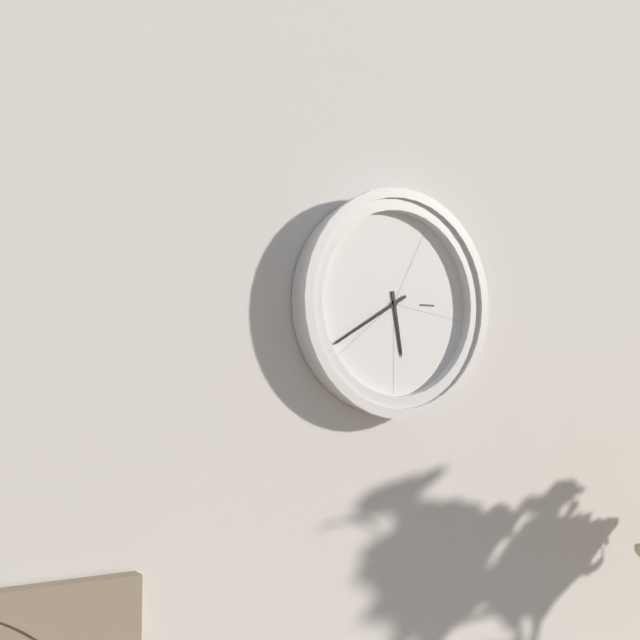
5:40
